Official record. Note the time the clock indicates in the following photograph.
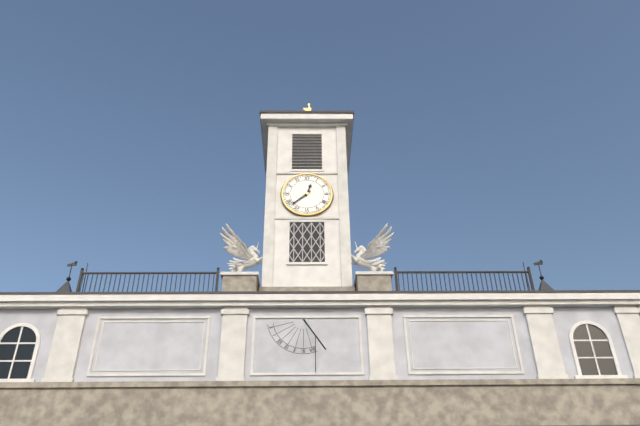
12:38
